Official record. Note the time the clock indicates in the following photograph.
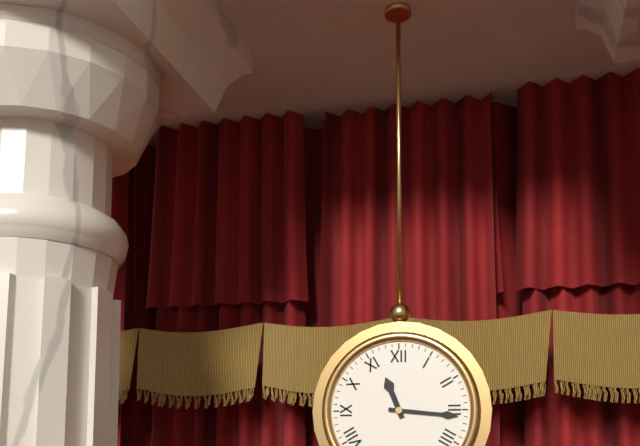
11:16
